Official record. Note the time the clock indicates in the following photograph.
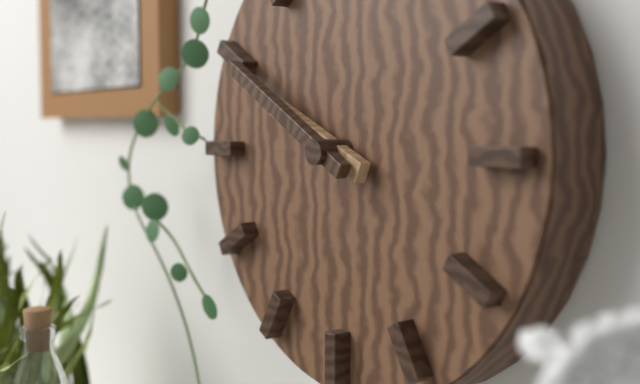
9:50
